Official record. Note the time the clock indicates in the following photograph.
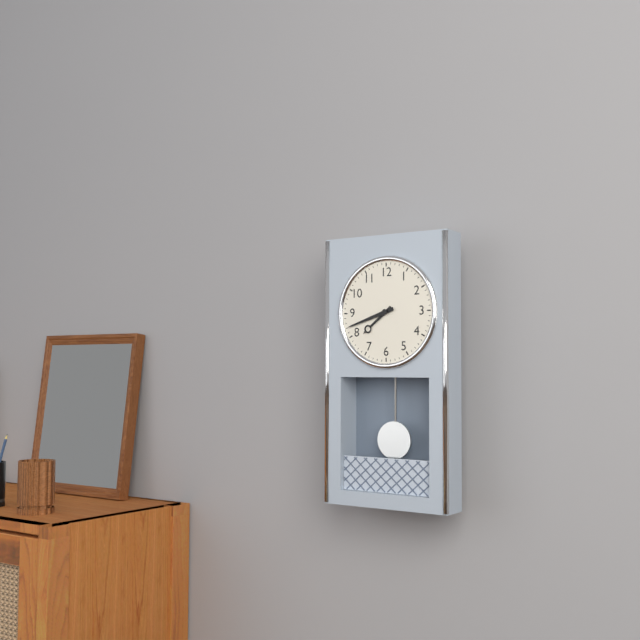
7:42
